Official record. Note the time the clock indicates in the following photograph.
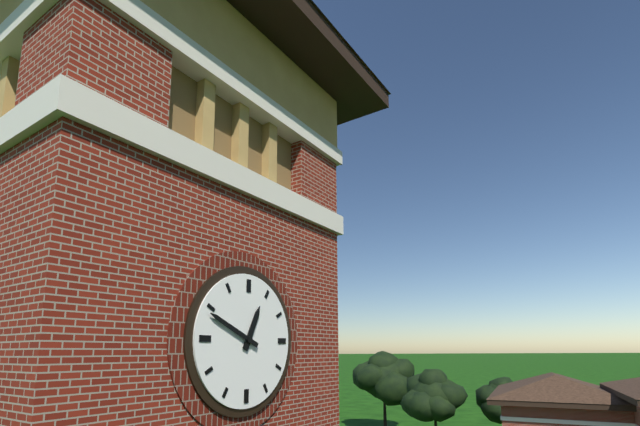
12:49
